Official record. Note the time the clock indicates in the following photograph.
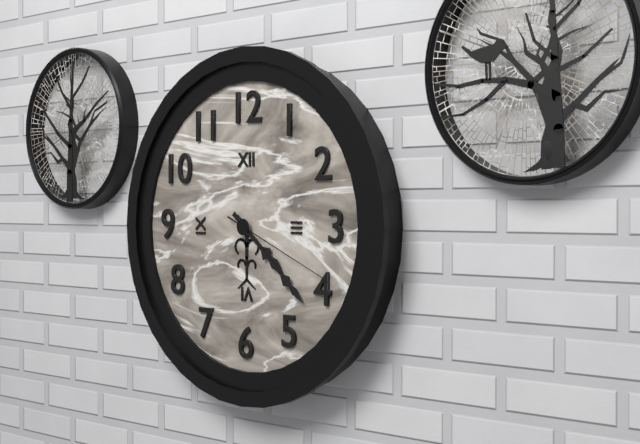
4:22:19
